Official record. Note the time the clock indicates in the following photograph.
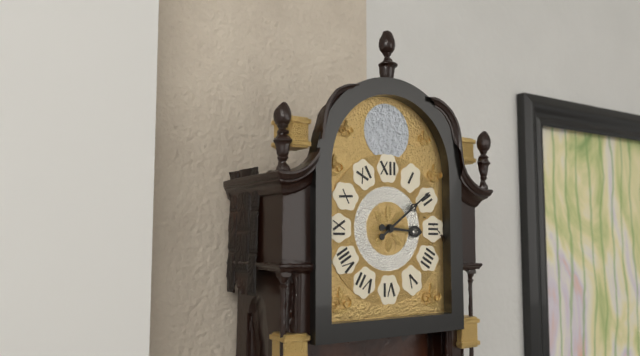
3:09
